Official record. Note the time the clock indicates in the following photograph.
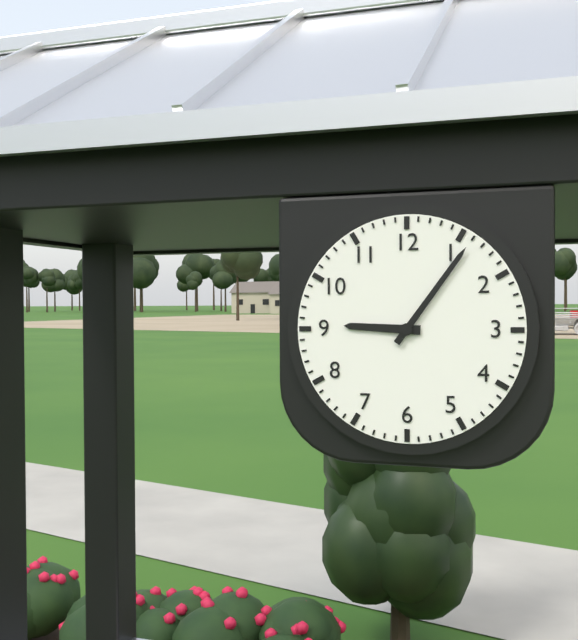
9:06
